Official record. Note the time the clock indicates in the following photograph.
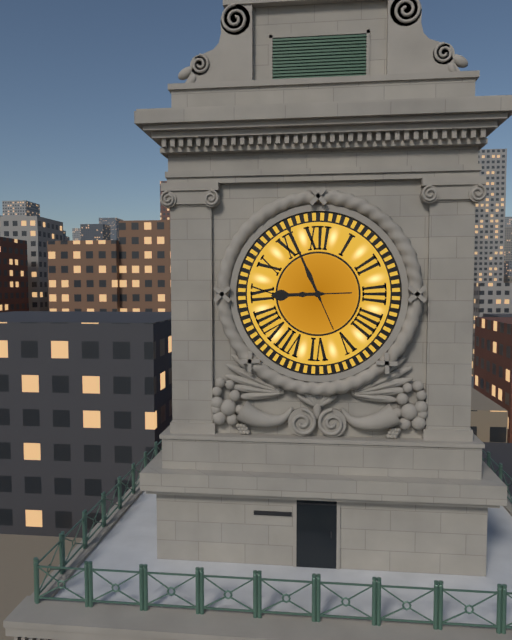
8:56
